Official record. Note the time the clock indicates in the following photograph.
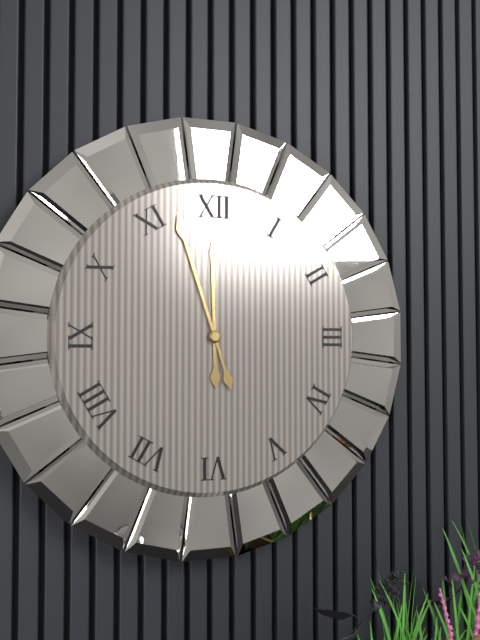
11:57
